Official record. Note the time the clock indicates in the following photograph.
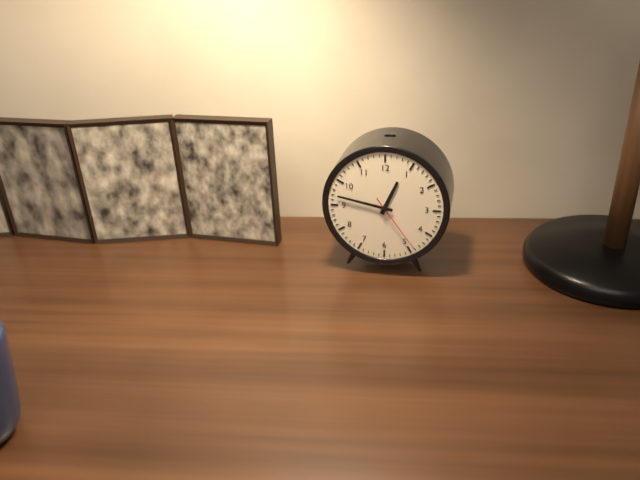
12:47:24
